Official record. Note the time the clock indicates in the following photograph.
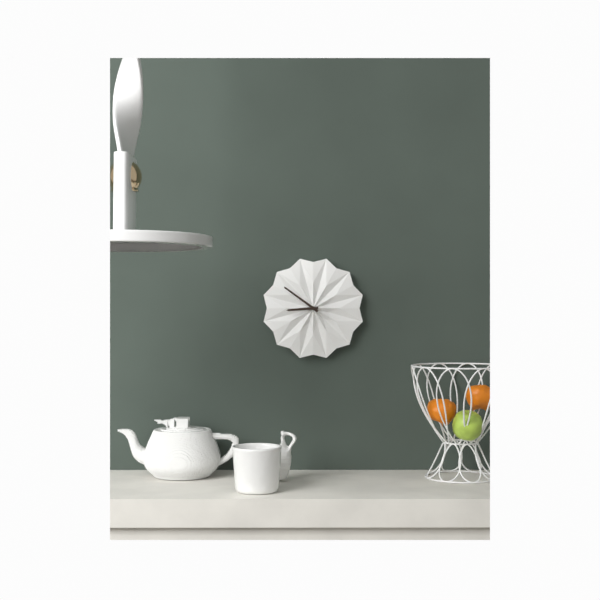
8:51
